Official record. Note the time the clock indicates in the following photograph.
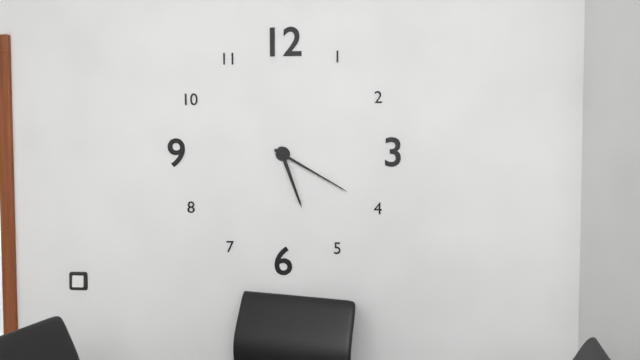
5:20
